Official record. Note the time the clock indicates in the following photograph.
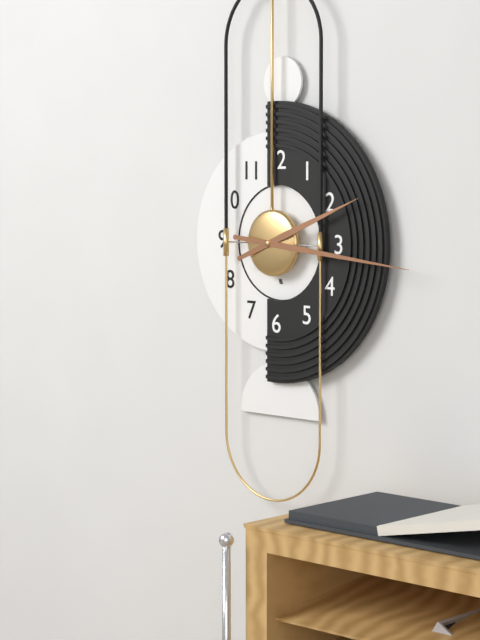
2:16
